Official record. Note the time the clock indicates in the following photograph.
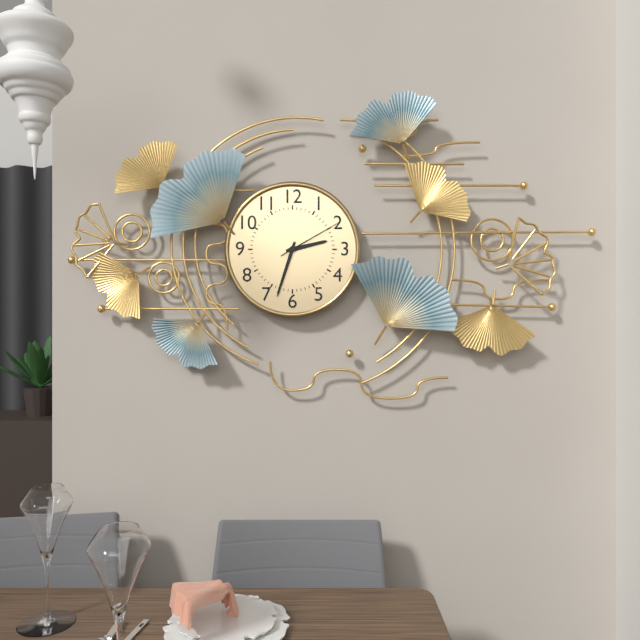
2:33:10
